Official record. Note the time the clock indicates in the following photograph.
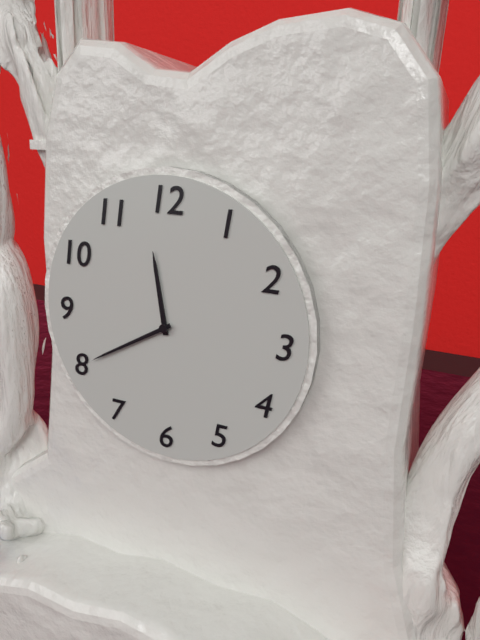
11:40
